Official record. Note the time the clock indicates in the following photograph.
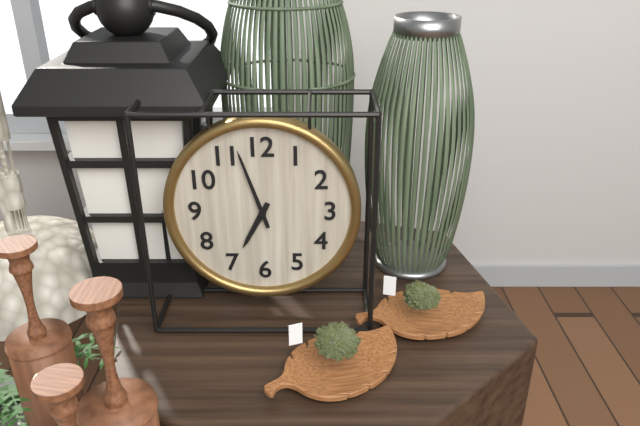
6:57
